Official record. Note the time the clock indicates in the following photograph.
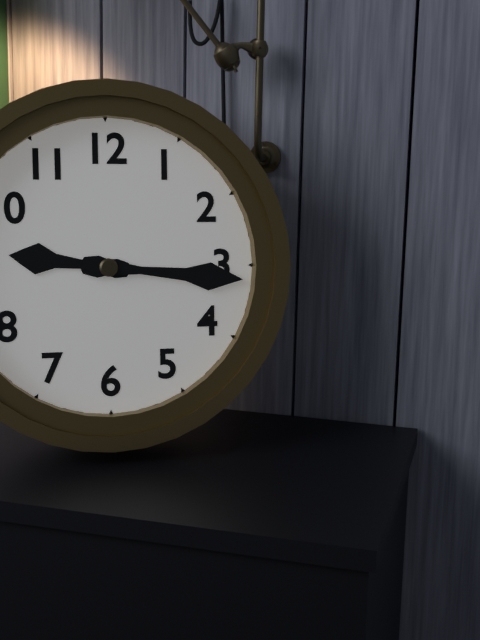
9:16
